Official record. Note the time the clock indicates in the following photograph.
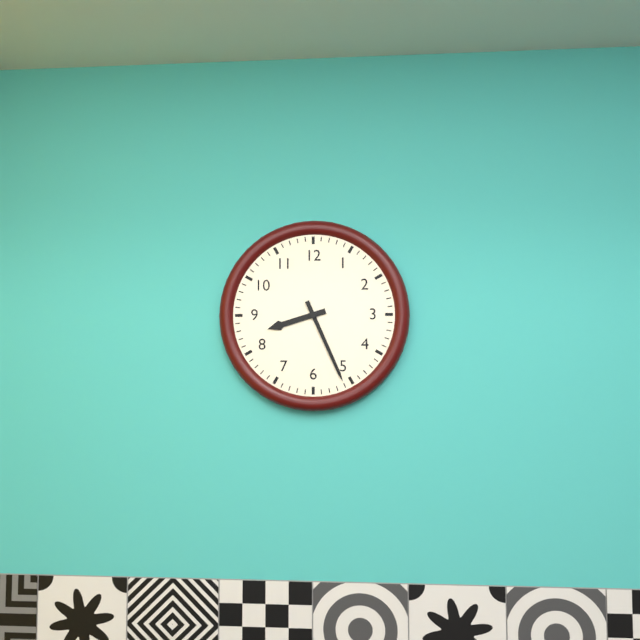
8:26
